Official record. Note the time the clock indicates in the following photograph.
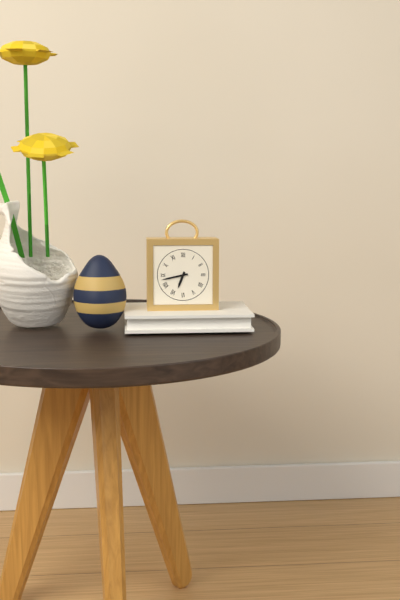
6:43
